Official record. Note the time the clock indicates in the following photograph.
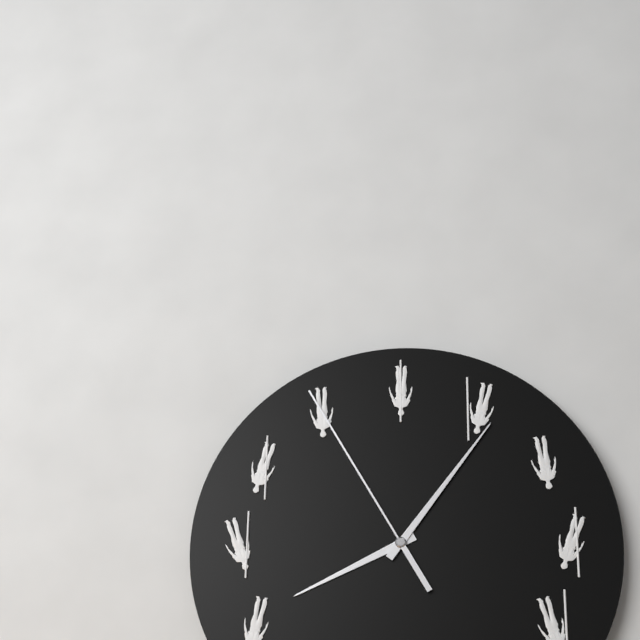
8:06:55
